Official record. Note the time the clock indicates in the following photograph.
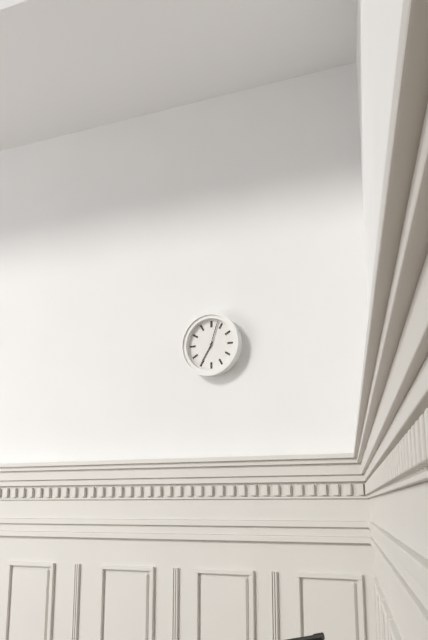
7:03
